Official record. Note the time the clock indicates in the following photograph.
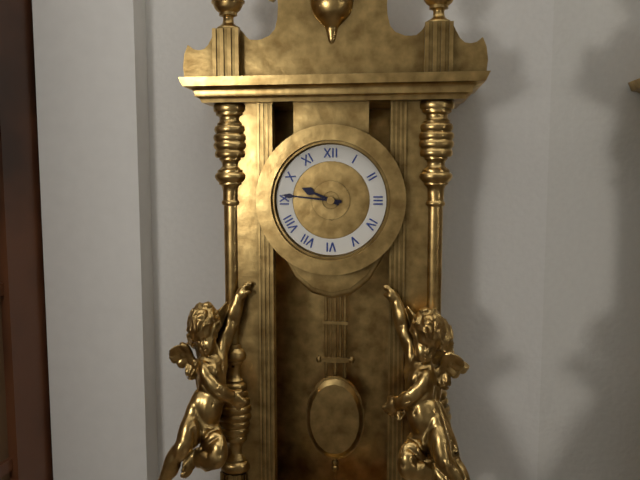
9:46
